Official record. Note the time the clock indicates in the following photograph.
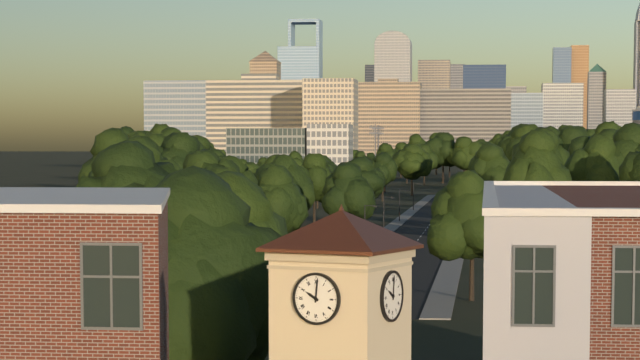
10:01
